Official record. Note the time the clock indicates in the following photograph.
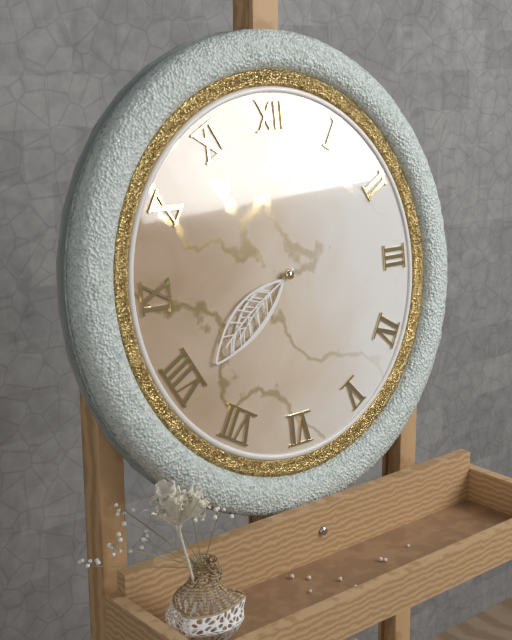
7:39
